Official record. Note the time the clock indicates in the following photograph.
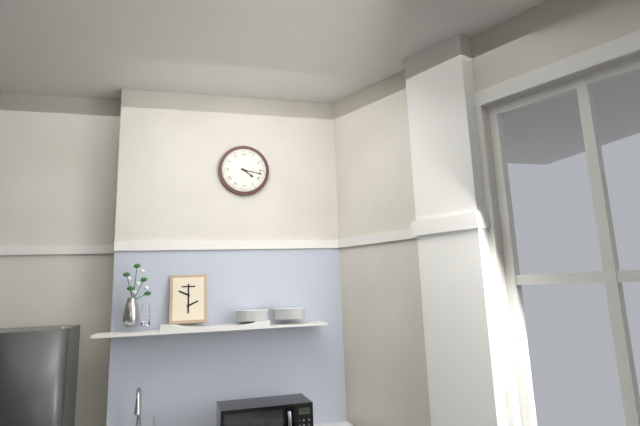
4:17
